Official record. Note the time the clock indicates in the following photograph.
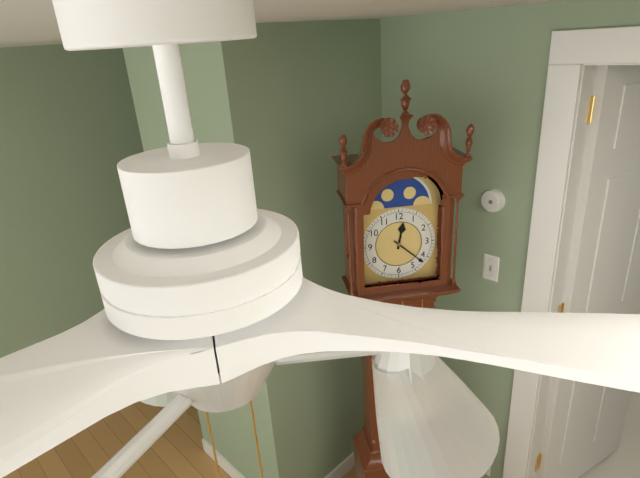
12:22
